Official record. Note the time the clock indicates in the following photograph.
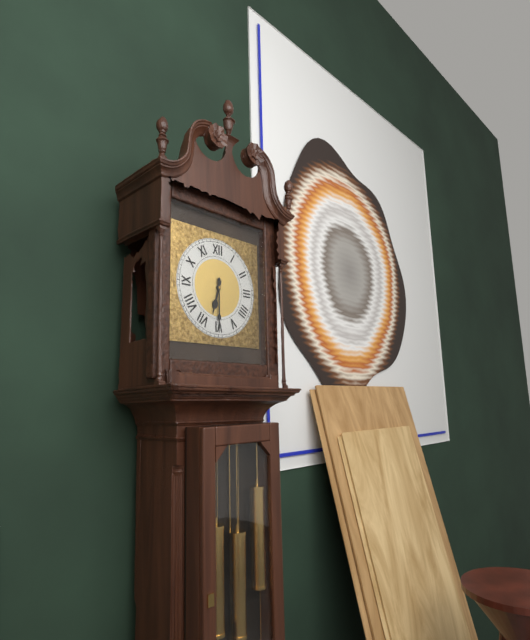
6:30
